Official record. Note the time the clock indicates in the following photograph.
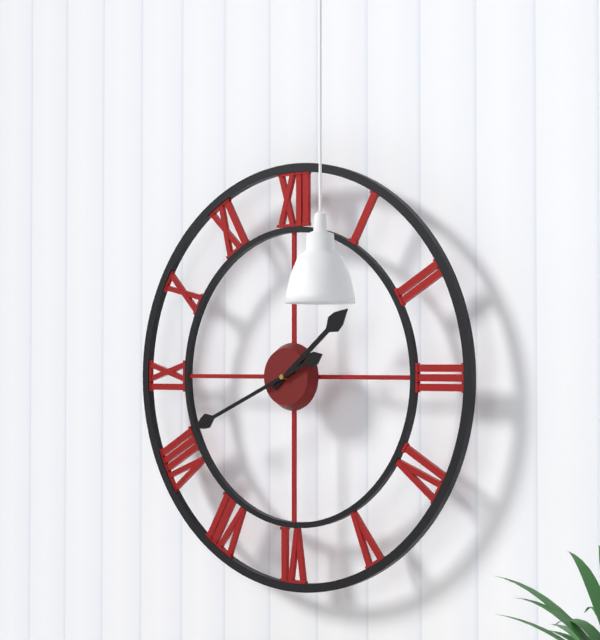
1:41
